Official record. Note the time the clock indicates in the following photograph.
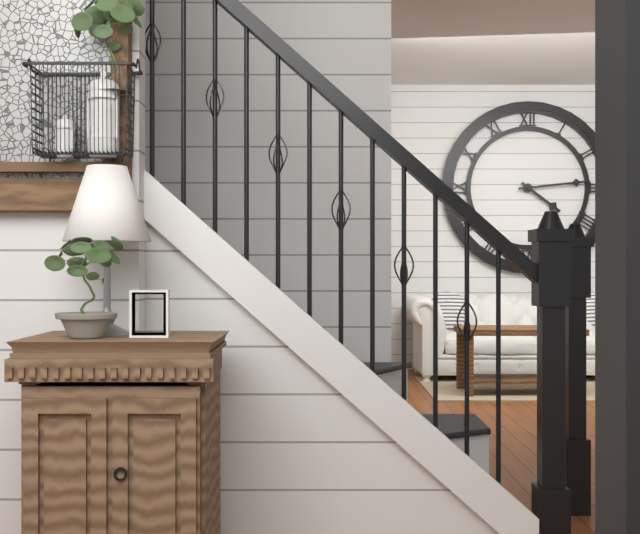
4:14
